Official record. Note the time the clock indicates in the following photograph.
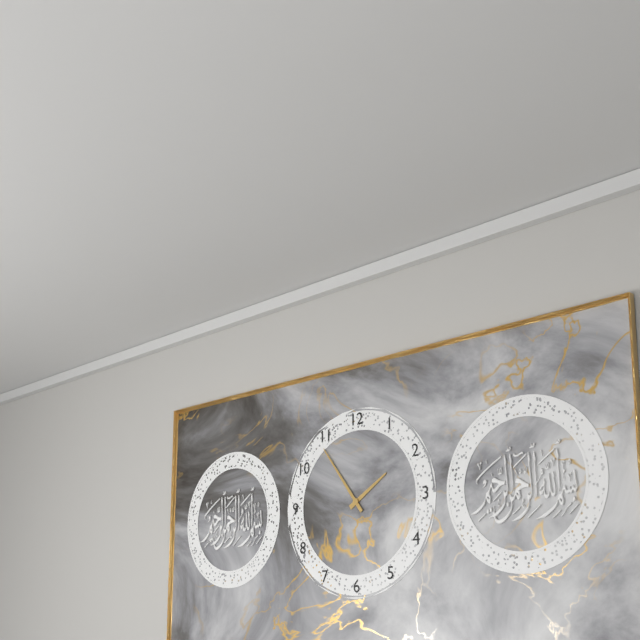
1:54
